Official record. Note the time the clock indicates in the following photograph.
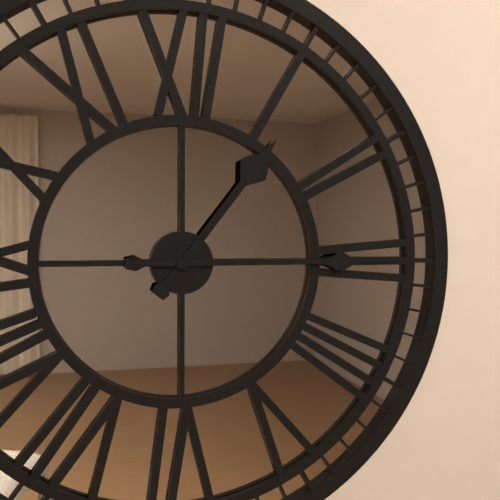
1:15
